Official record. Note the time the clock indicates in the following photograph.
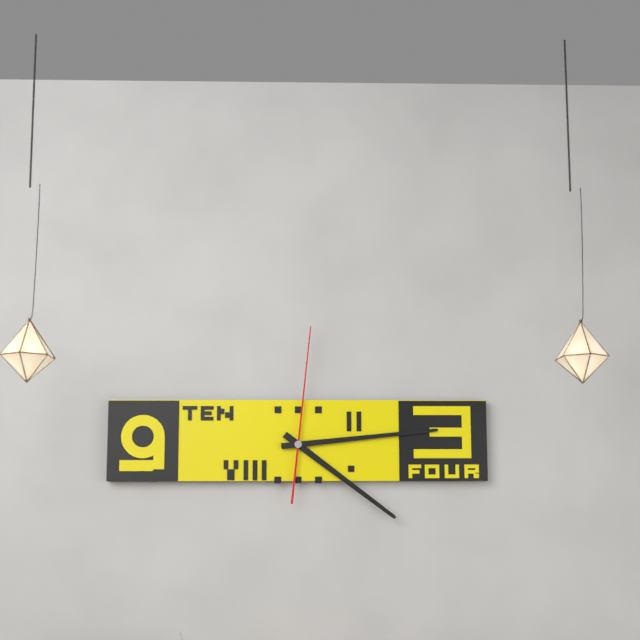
4:14:01
